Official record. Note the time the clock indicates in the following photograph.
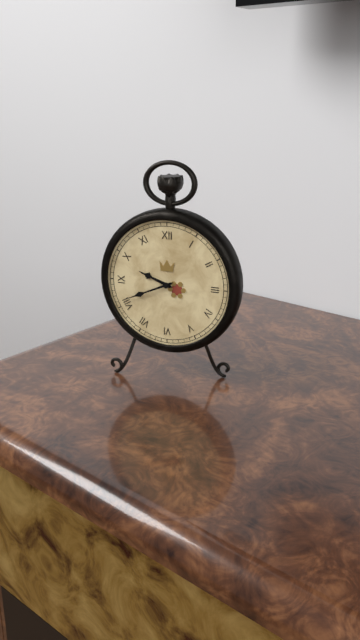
9:41
